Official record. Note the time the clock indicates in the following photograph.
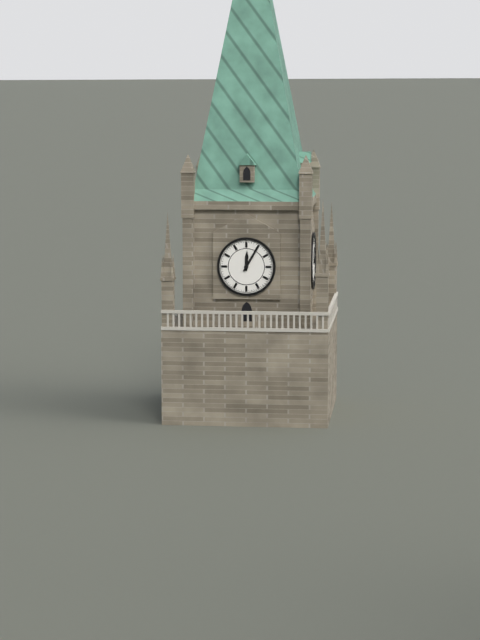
12:05
